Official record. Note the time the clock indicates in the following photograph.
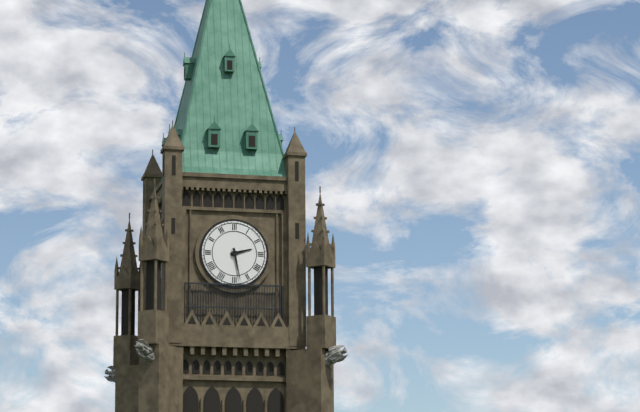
2:28
